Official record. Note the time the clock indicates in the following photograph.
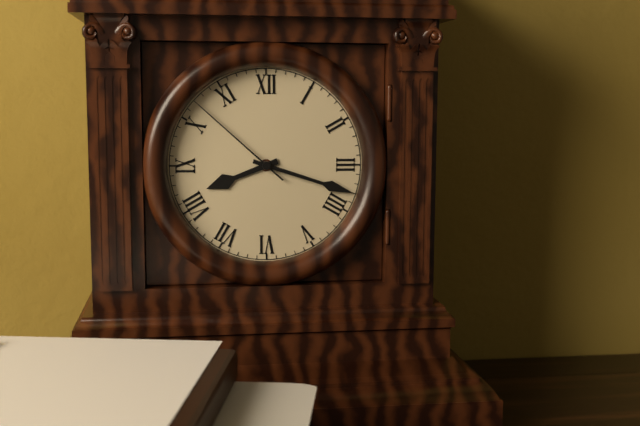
8:18:52
